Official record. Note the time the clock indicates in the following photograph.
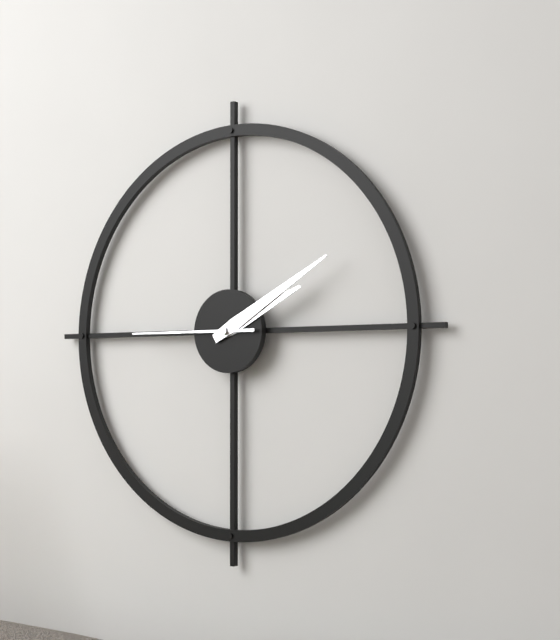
2:10:45
